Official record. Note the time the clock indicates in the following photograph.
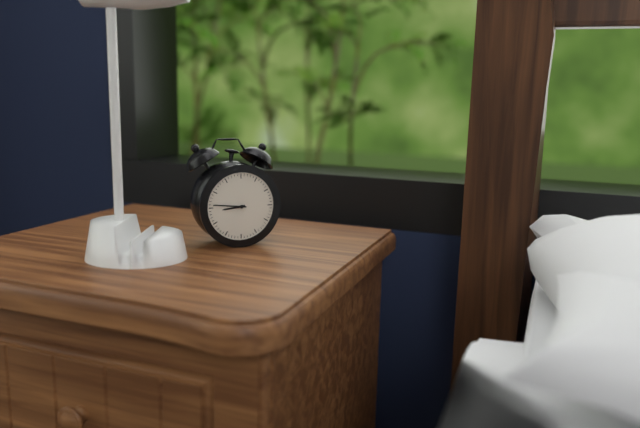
8:46
